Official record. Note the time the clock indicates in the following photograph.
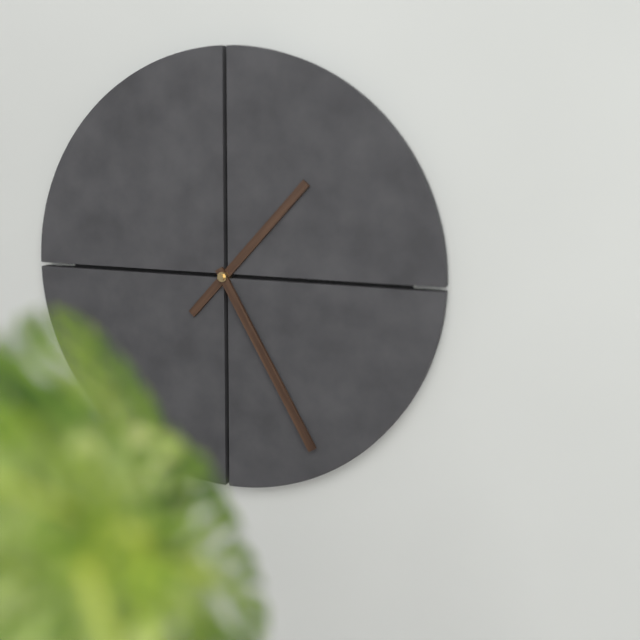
1:25
